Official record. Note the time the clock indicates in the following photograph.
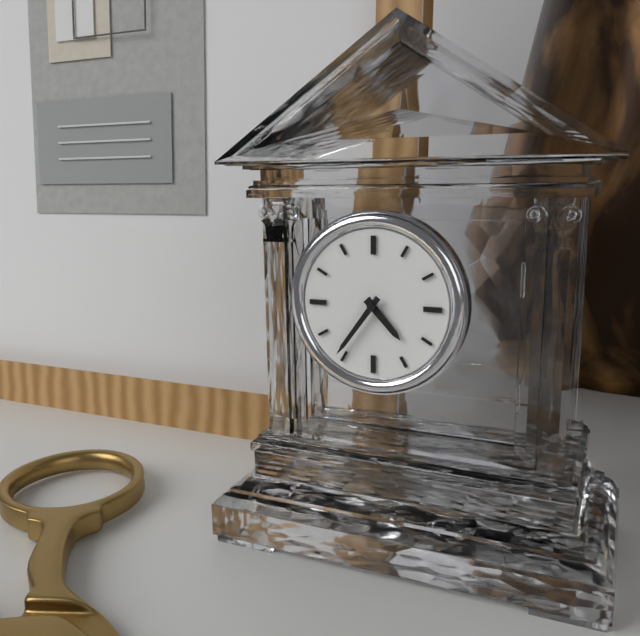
4:36
